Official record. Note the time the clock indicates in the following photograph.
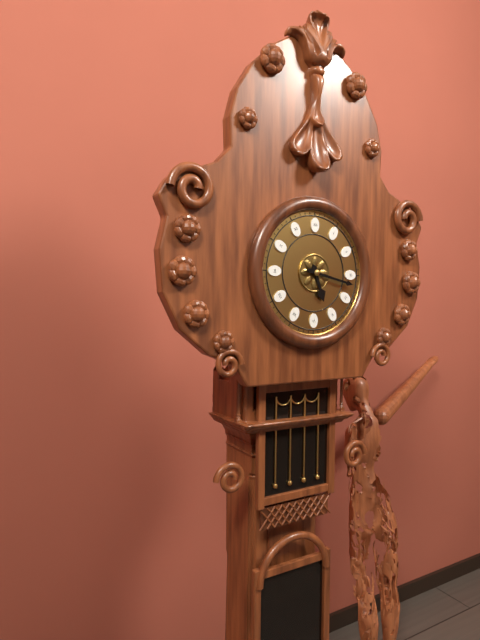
5:17
